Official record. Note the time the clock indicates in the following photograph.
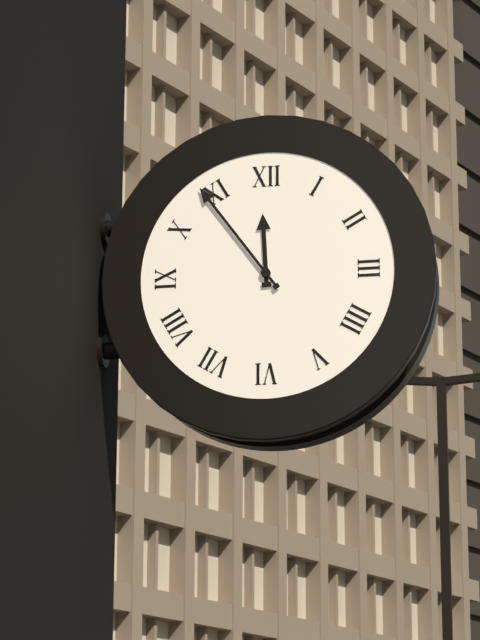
11:54
